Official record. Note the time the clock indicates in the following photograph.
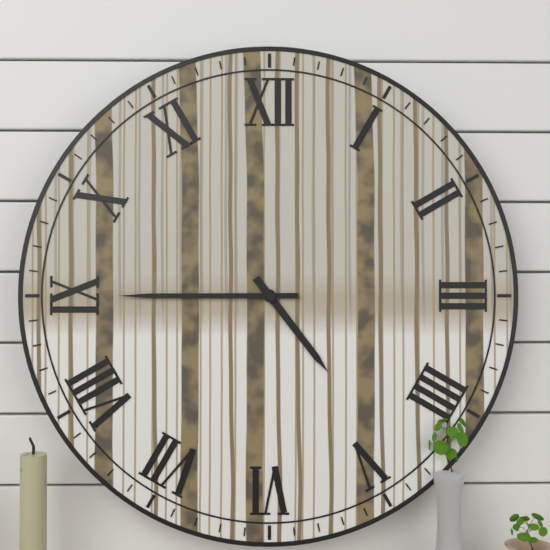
4:45
